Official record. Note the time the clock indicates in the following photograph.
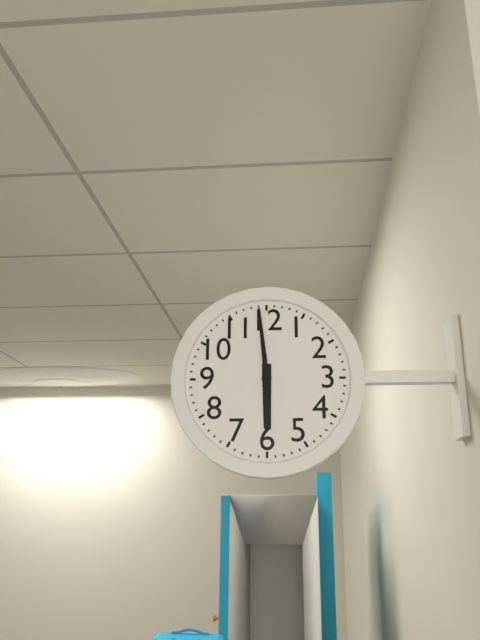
5:59
